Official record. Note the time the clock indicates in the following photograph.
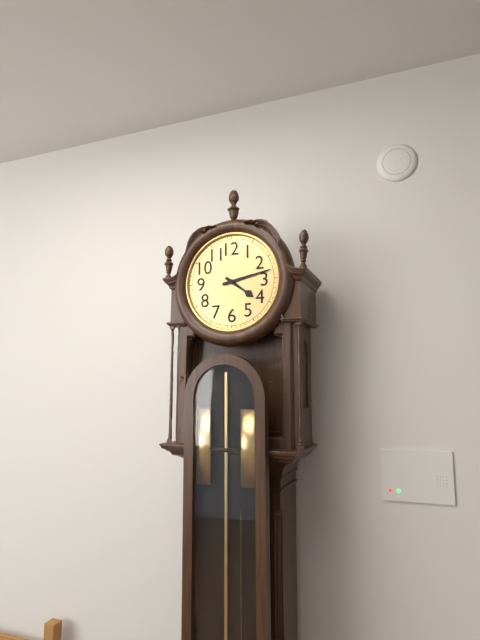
4:13
